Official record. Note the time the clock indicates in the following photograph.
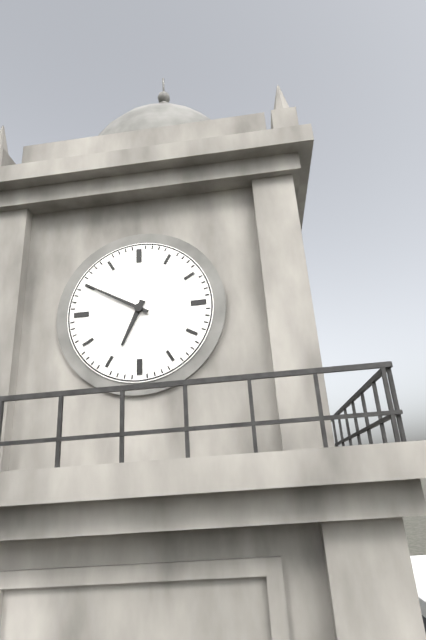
6:50
